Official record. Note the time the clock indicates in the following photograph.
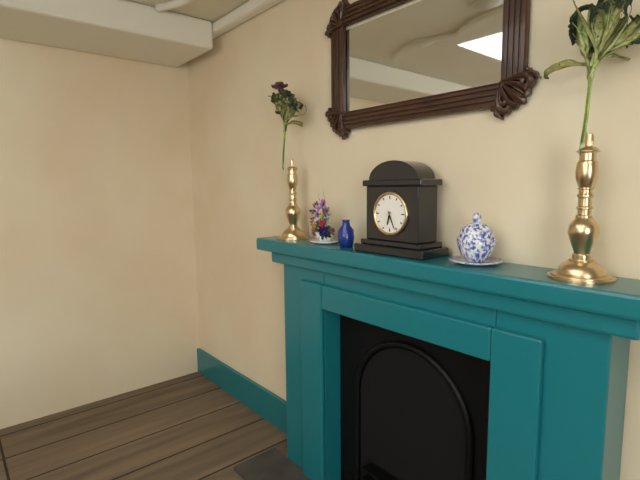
6:26
